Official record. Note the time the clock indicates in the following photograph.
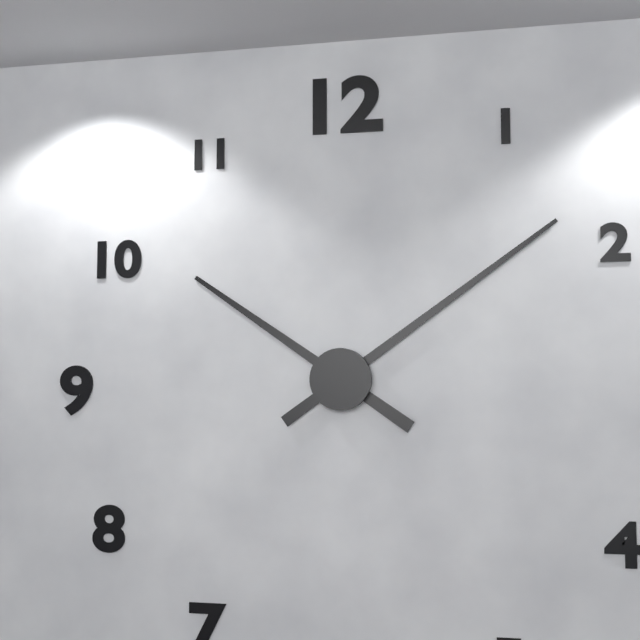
10:09
